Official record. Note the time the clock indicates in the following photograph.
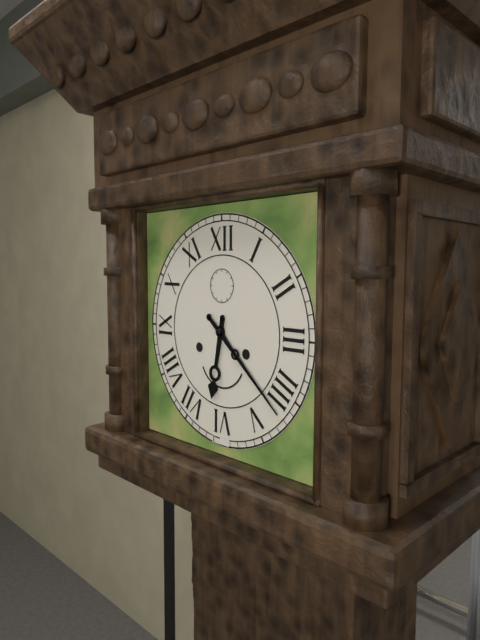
6:22
